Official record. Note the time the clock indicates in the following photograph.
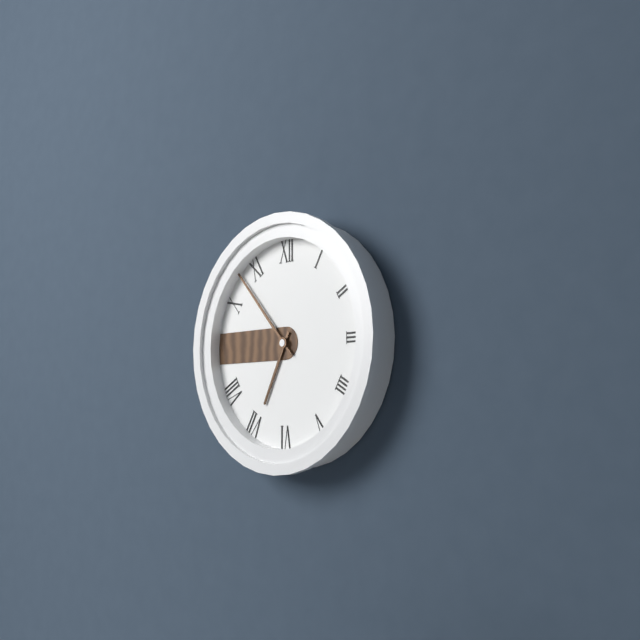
6:53
